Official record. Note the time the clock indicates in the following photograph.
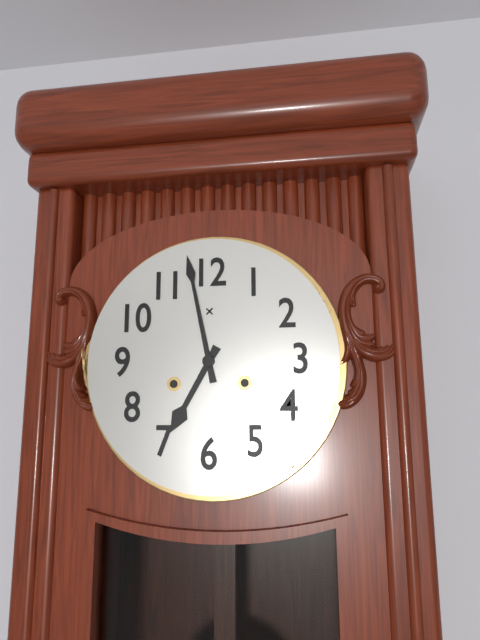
6:58
